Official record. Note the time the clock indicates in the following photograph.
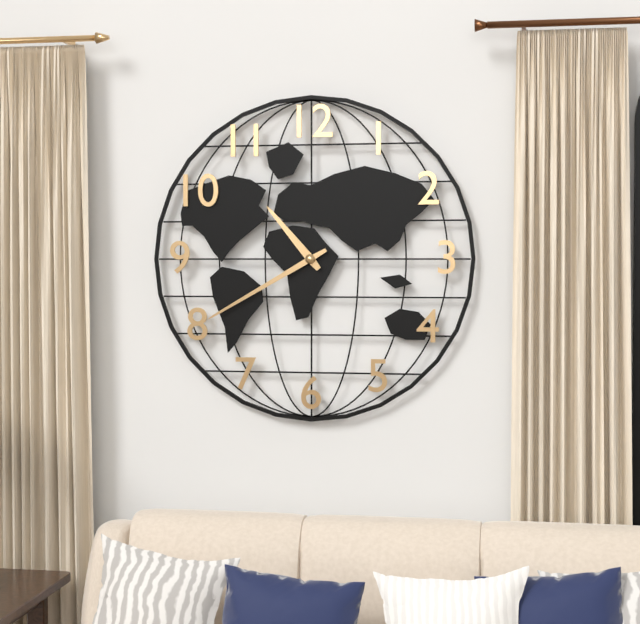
10:40
